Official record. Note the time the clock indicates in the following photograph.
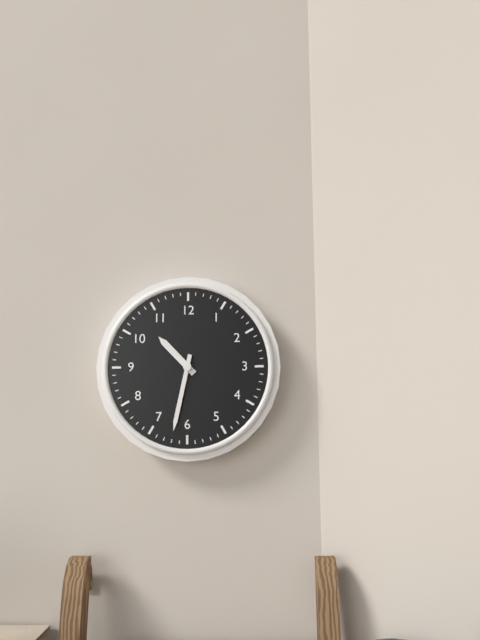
10:32
